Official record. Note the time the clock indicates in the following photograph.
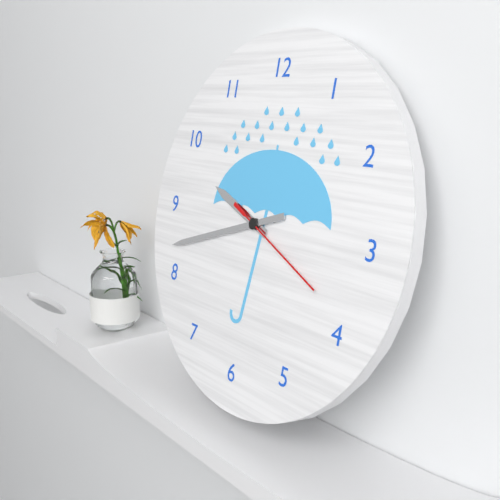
9:42:19
